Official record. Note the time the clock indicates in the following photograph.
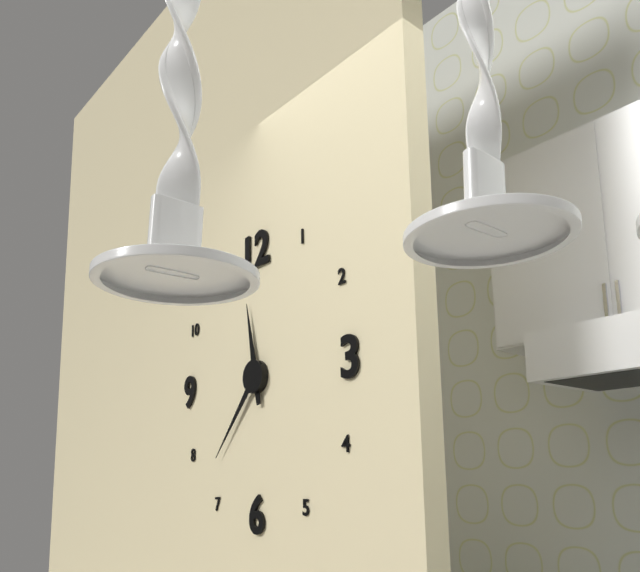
11:37
